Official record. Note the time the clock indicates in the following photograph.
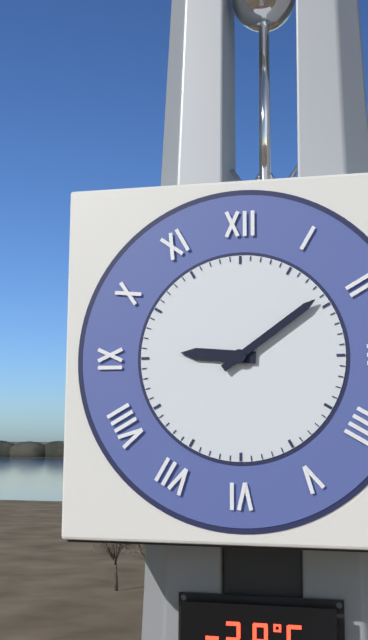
9:09
